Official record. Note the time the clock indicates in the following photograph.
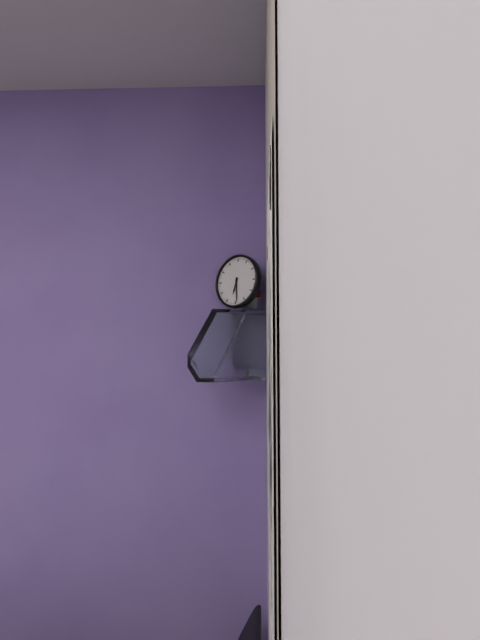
6:29
